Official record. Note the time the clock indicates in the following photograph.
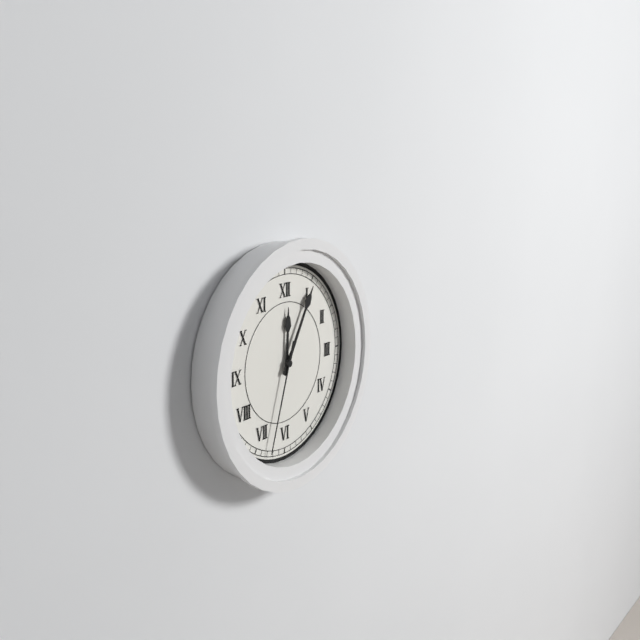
12:05:33
